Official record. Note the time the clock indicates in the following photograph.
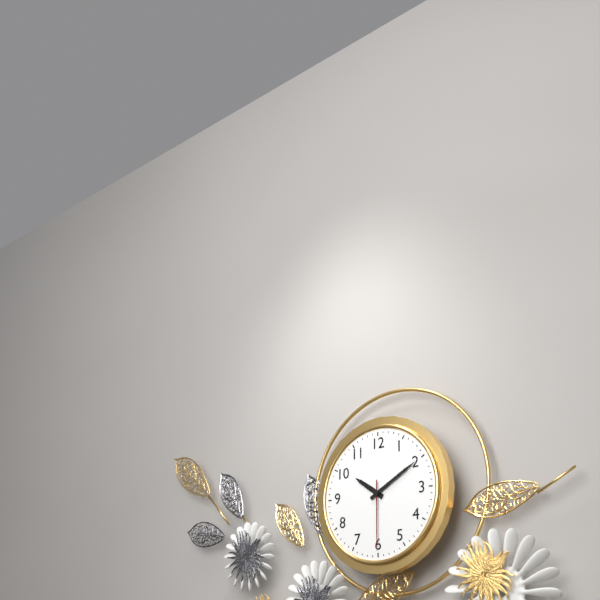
10:10:30
